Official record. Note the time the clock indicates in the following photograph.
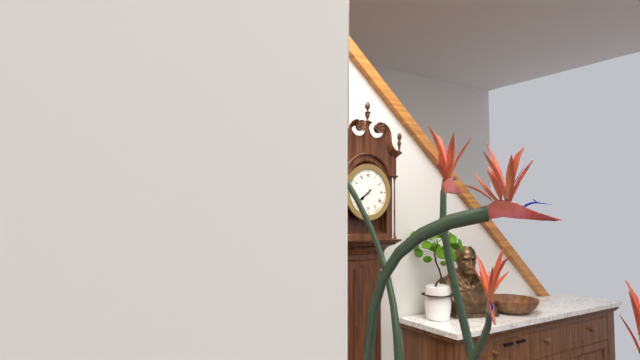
7:39
